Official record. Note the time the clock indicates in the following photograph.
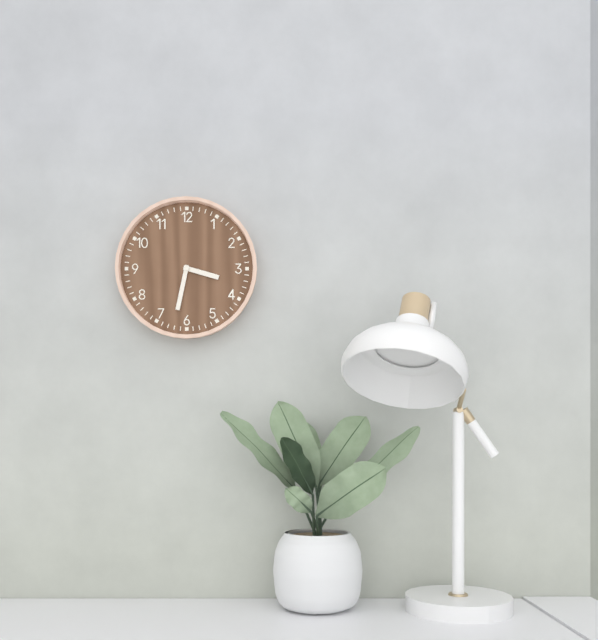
3:32
